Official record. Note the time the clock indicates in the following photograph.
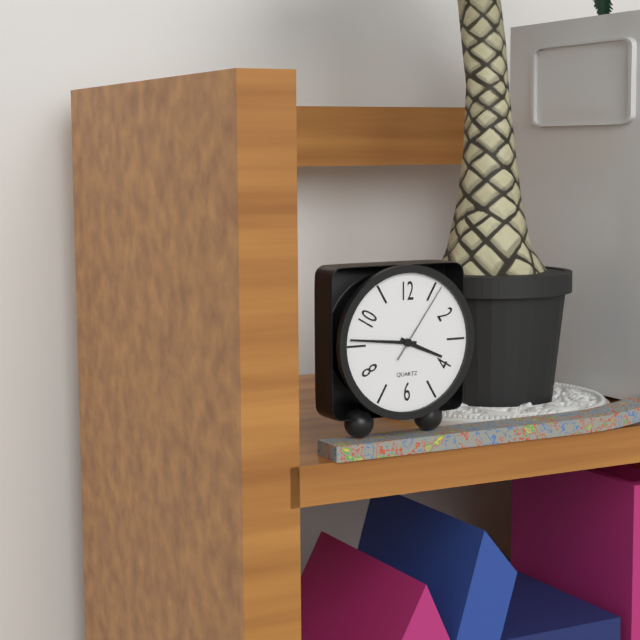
3:46:06
